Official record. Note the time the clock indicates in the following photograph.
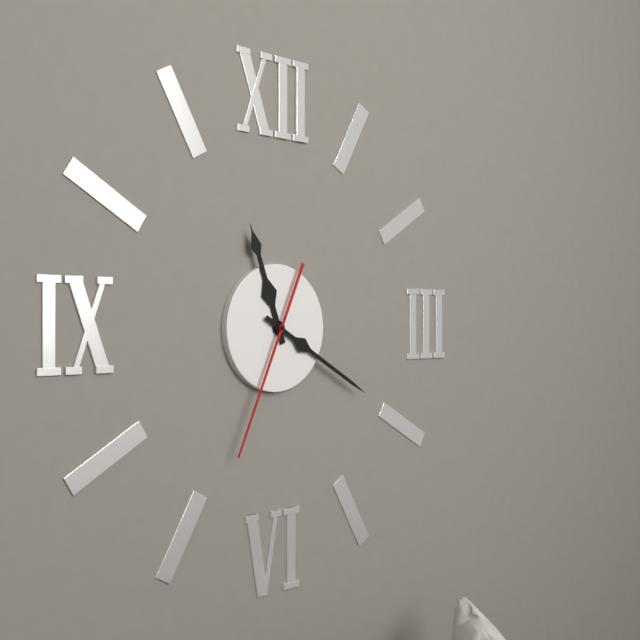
11:20:34
